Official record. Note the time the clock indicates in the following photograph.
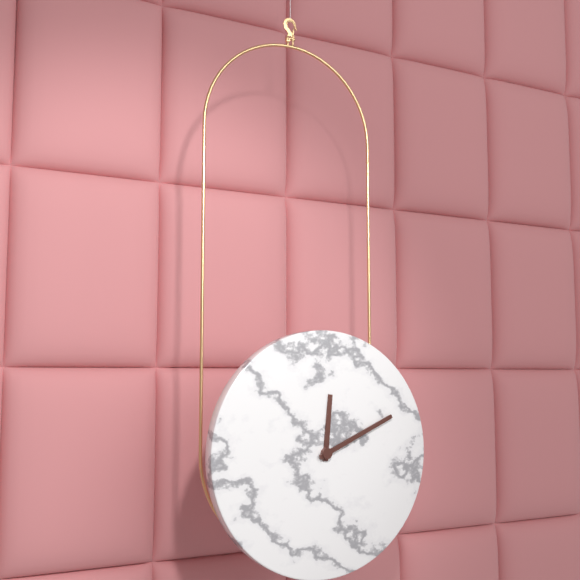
12:11
